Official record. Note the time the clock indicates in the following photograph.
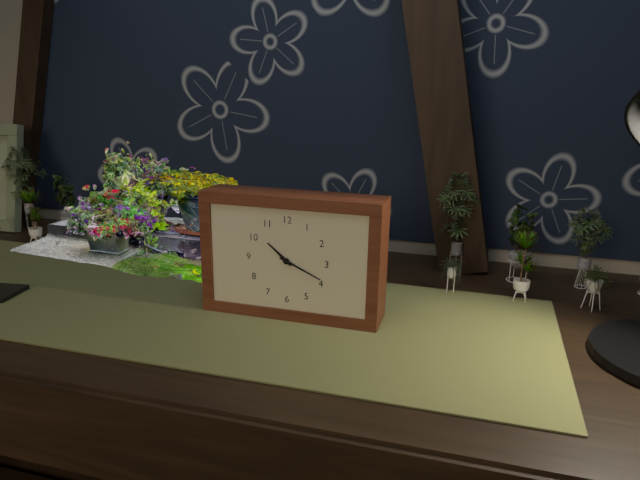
10:19
